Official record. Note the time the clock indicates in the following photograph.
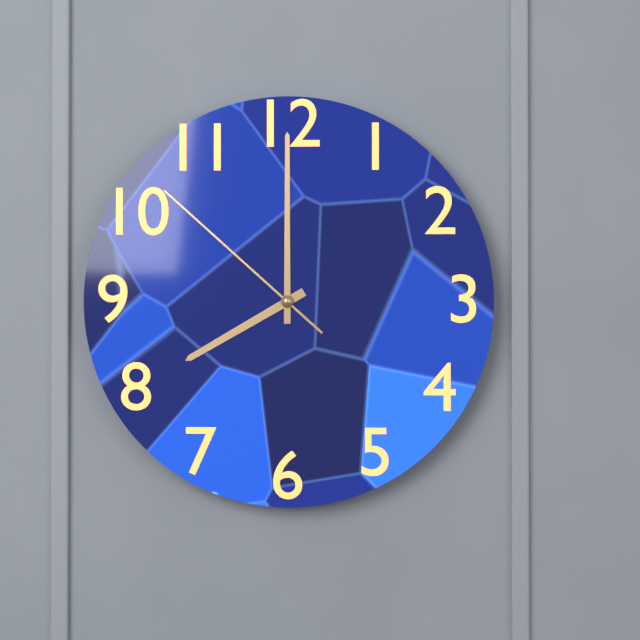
8:00:52
